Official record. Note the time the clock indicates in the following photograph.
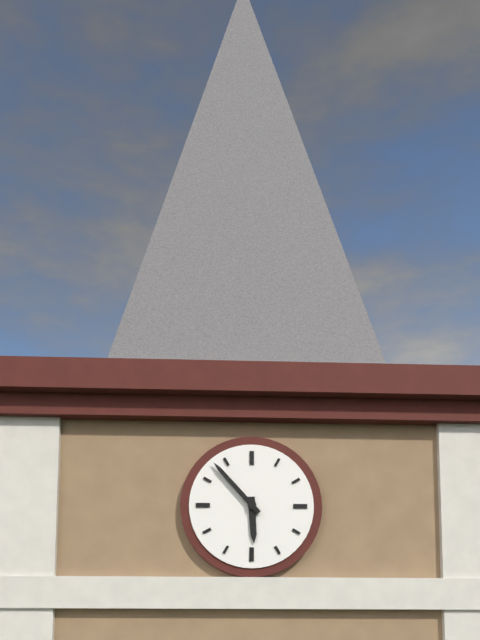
5:53
